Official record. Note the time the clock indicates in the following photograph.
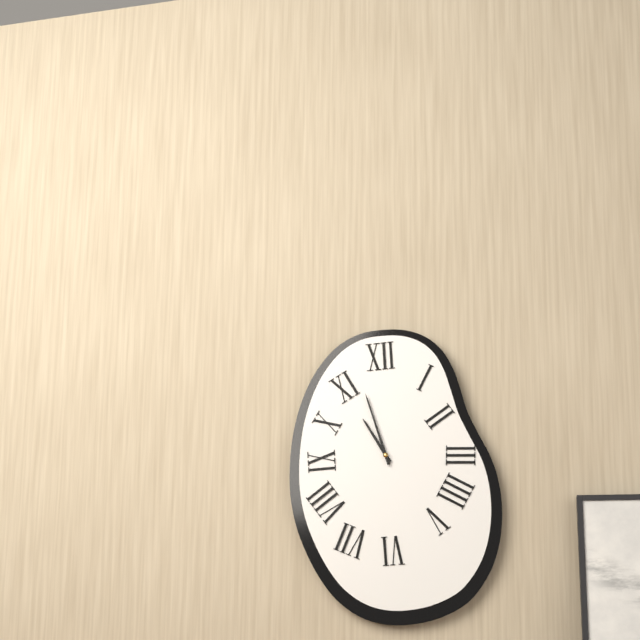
10:57
